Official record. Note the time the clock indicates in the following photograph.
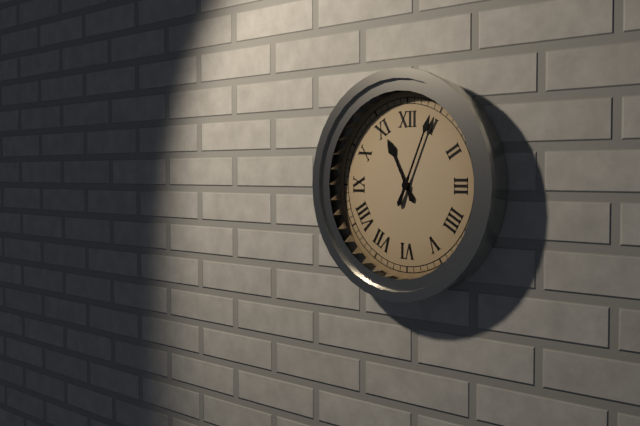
11:04
